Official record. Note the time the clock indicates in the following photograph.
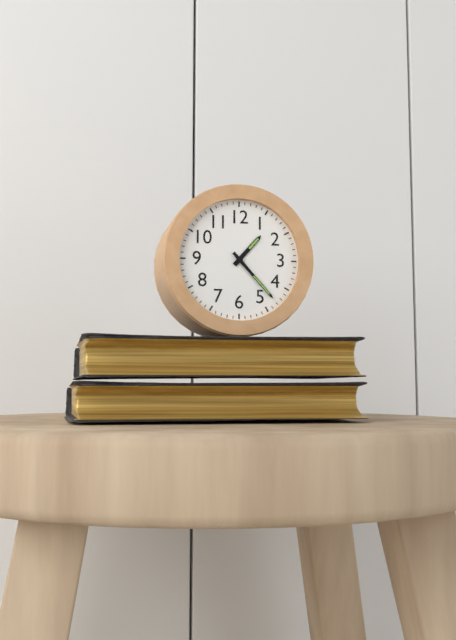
1:23
